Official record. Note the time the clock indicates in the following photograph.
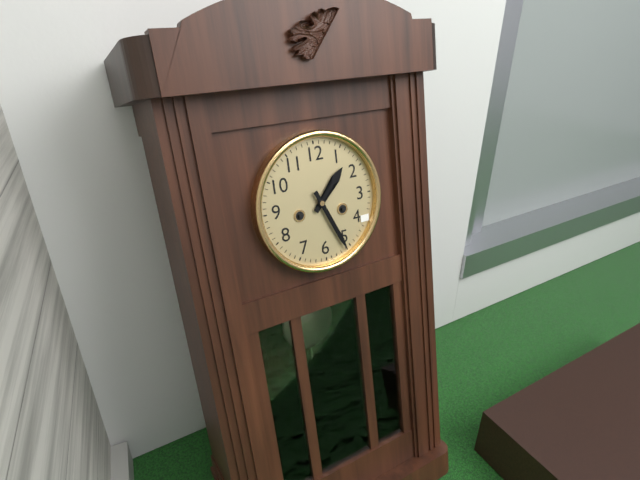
1:26
